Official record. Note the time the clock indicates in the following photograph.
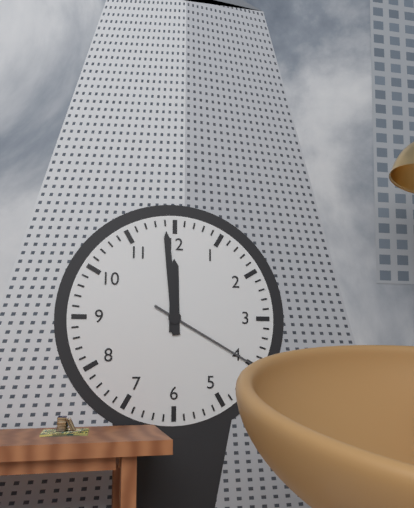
11:59:20
